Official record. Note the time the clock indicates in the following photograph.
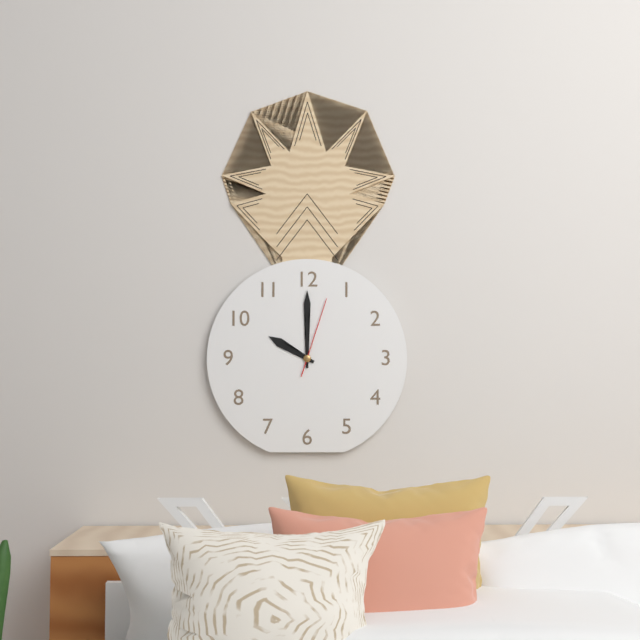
10:00:03
